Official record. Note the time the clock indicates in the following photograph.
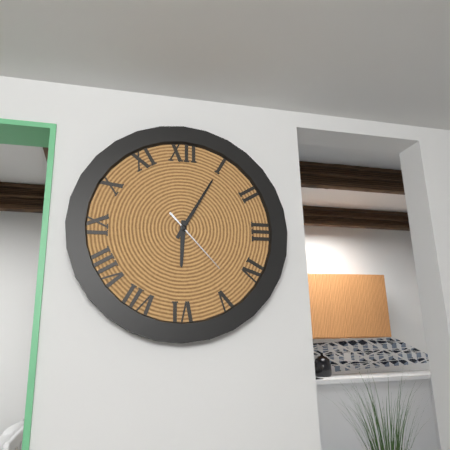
6:05:23
